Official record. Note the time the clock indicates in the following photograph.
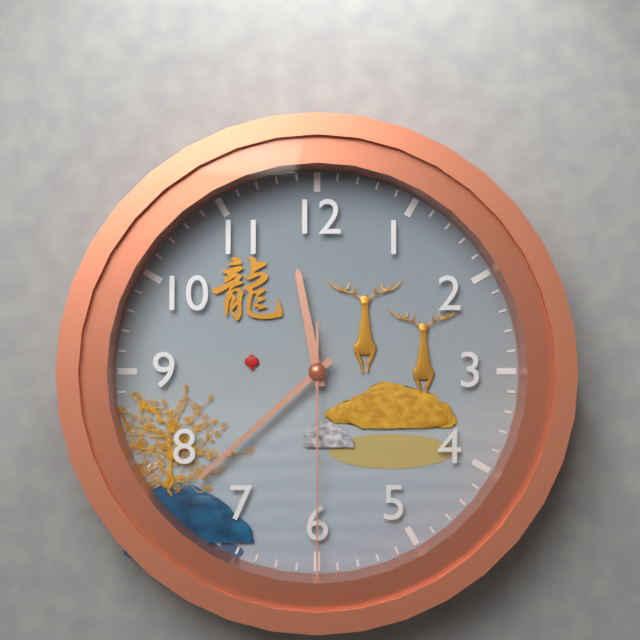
11:38:30
